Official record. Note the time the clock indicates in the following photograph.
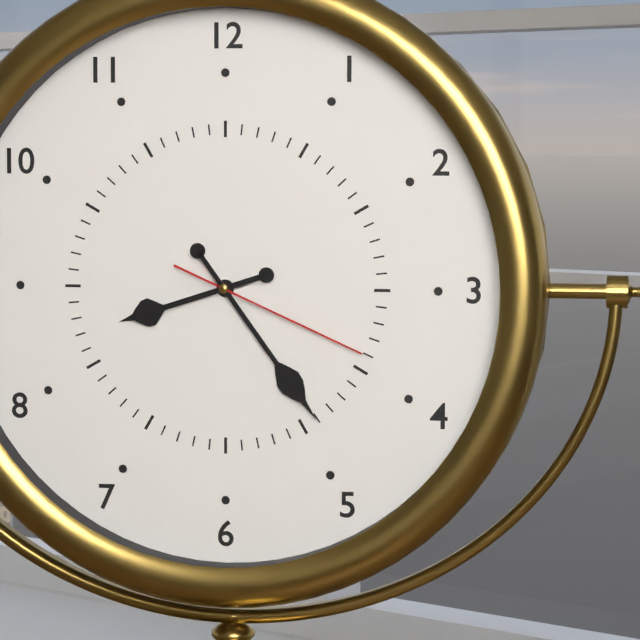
8:24:19
